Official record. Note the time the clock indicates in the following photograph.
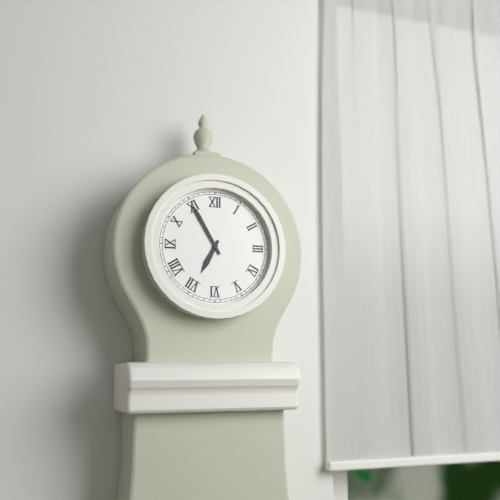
6:55
